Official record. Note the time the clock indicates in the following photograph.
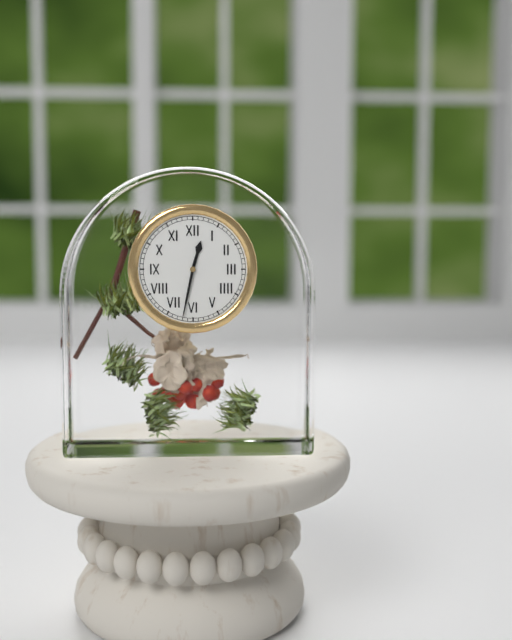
12:32
